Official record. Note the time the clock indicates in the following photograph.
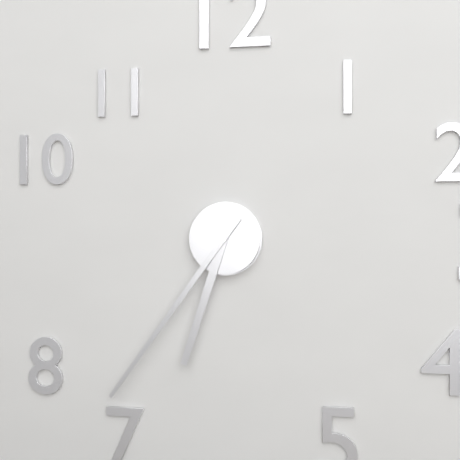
6:36
